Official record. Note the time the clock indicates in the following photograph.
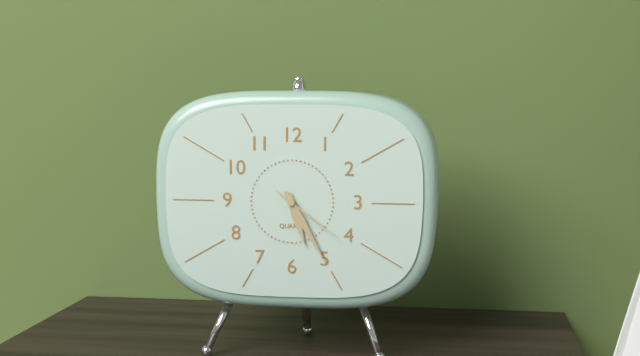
5:25:21
